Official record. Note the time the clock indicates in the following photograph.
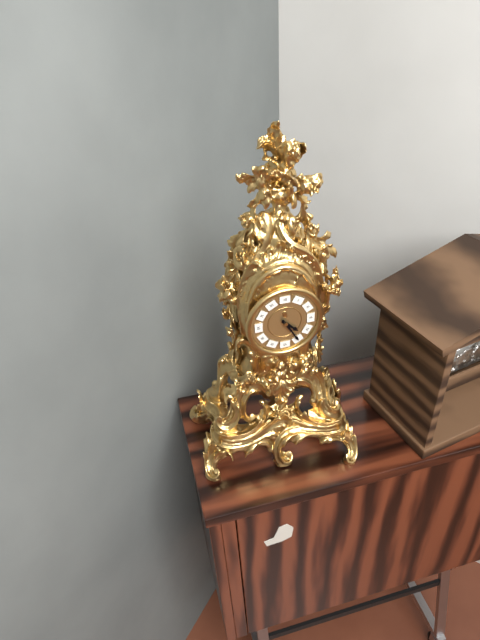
4:25
